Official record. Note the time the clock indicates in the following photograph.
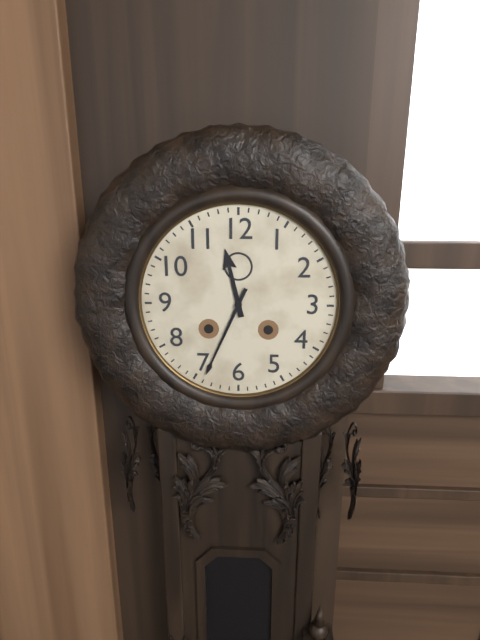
11:34
